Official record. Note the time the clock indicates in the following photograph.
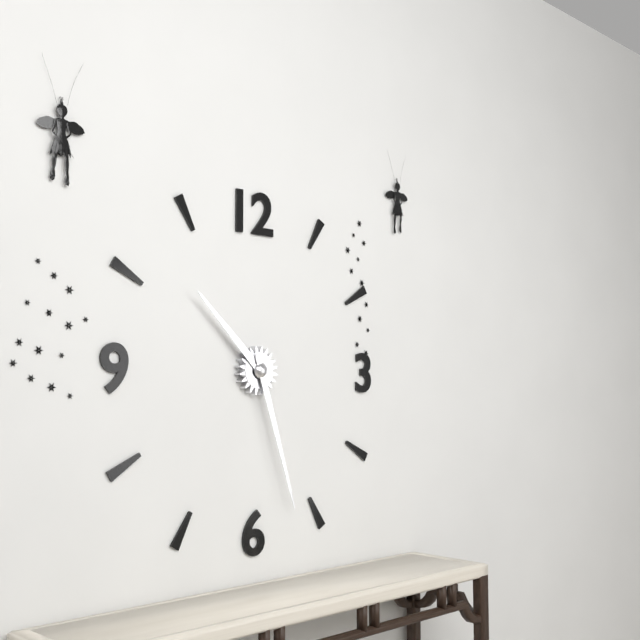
10:27
